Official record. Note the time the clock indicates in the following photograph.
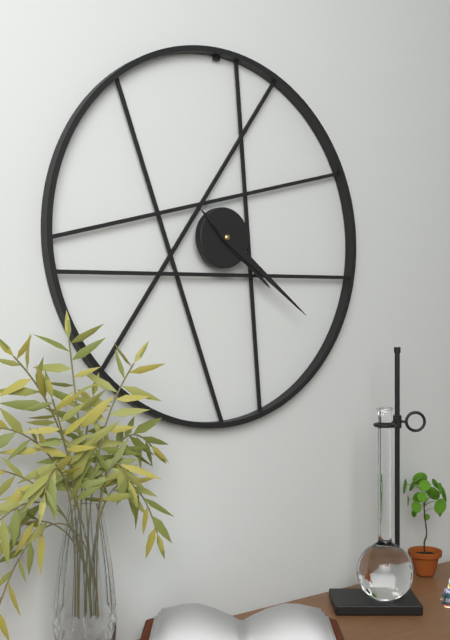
4:21
